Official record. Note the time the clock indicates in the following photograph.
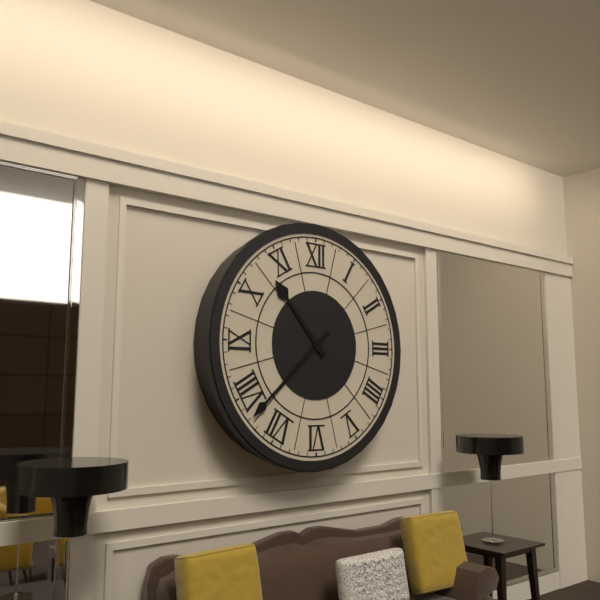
10:38
